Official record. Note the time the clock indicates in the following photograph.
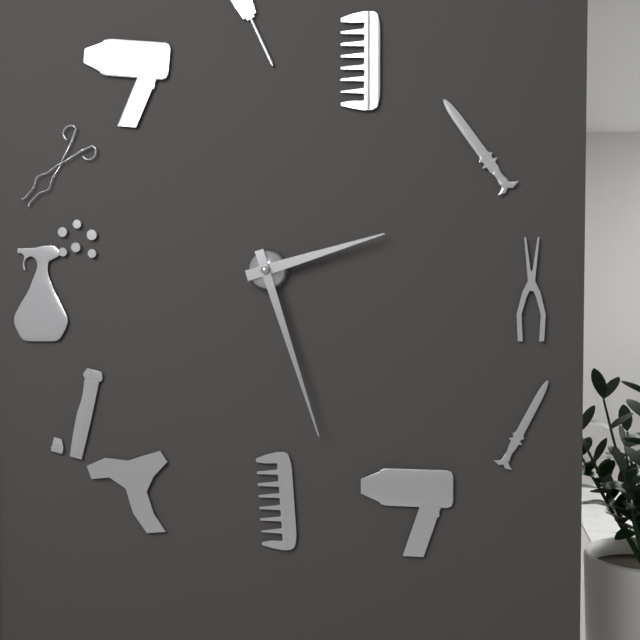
2:27
